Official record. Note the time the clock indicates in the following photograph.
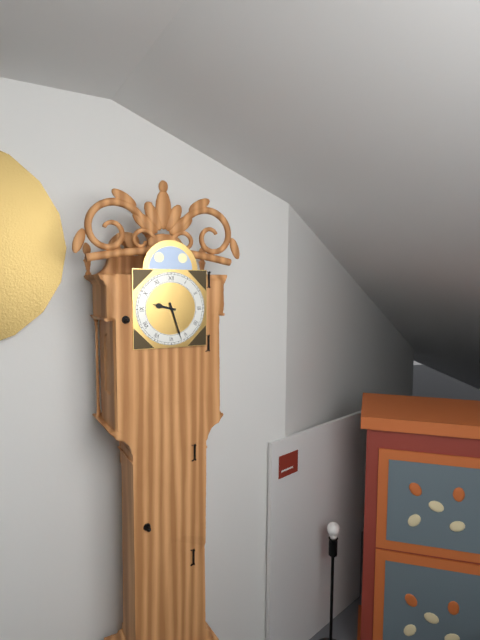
9:27
